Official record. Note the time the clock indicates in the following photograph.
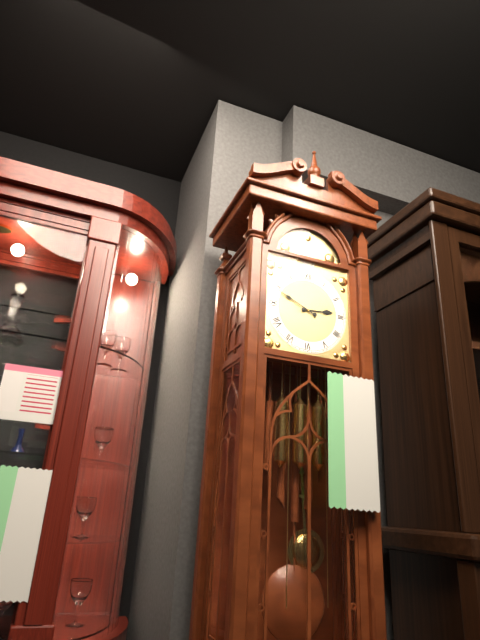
2:49
